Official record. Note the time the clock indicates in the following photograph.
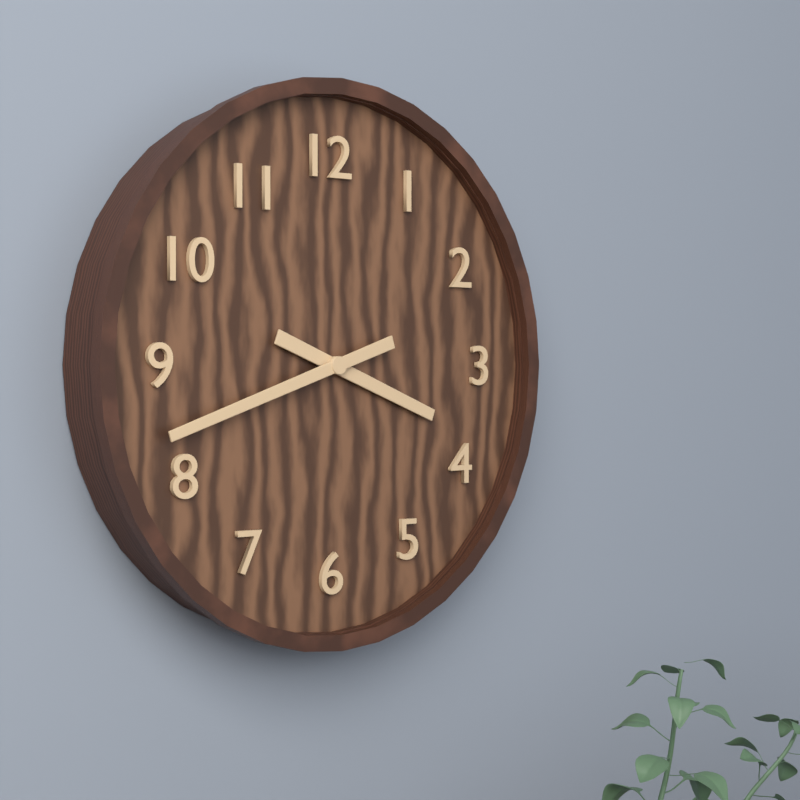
3:42
